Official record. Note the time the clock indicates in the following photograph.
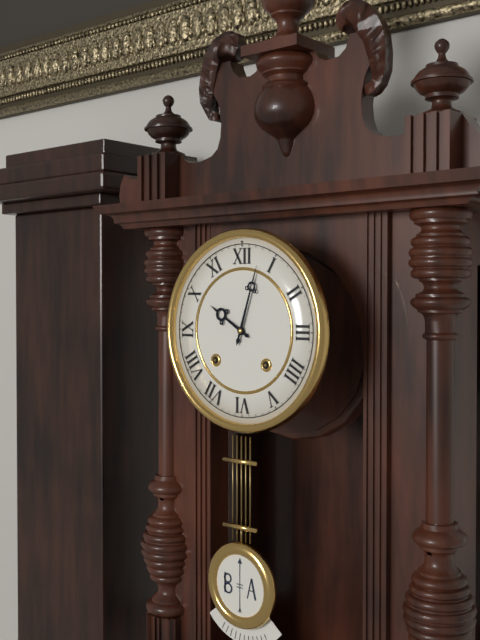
10:03
